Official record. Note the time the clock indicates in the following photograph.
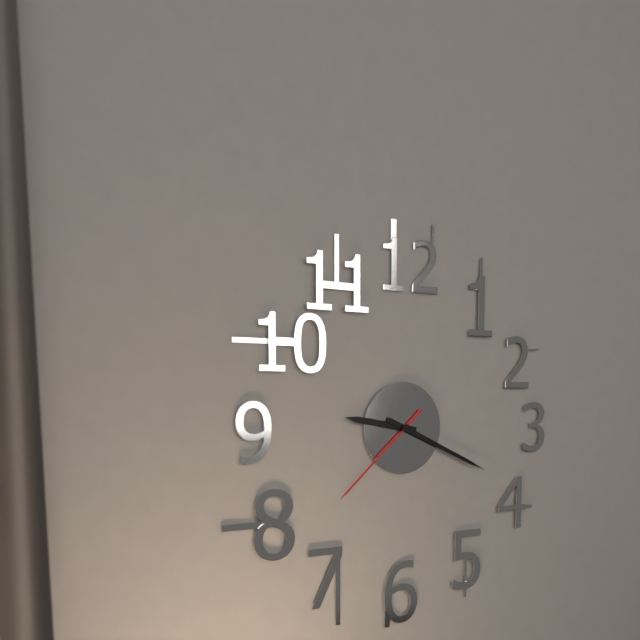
9:19:38
